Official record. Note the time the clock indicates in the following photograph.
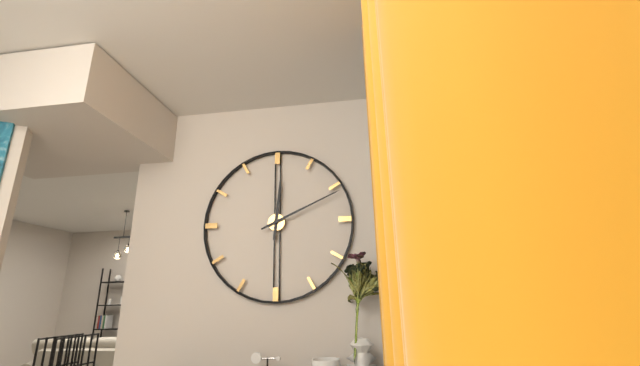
12:11
